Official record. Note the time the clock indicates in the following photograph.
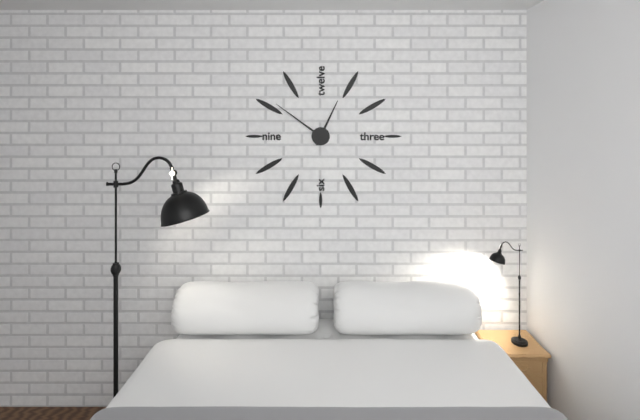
12:51
